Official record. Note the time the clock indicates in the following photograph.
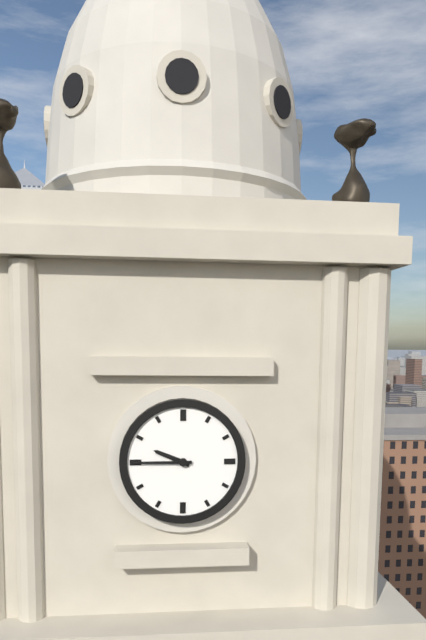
9:45
